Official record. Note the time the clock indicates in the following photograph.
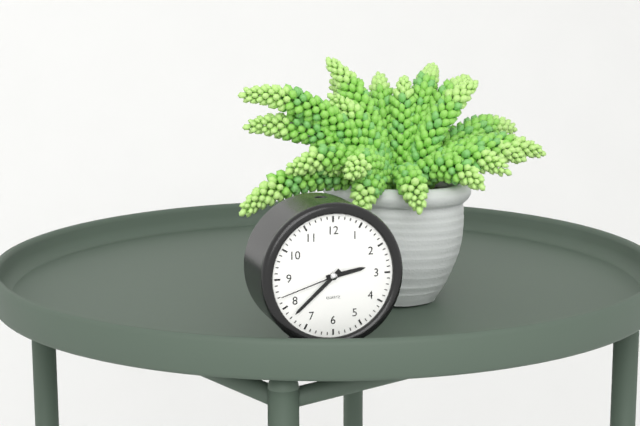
2:38:42
